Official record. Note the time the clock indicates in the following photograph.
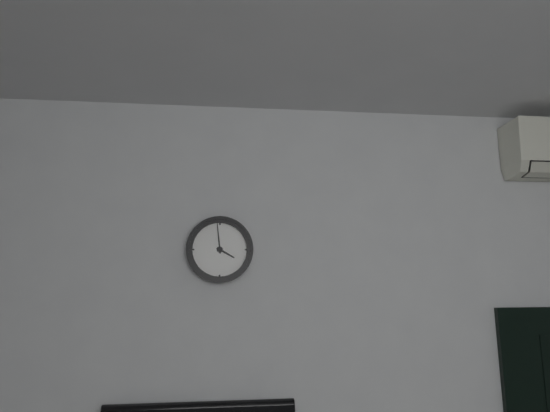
3:59
